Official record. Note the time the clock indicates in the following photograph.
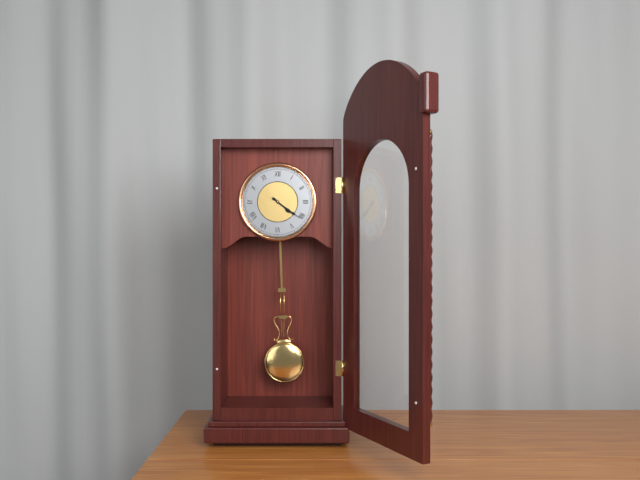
4:21
